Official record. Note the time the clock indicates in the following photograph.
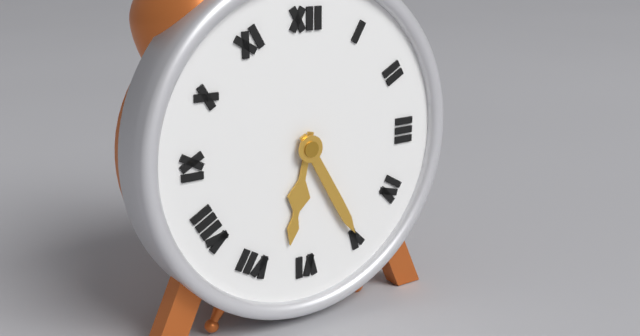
6:25
